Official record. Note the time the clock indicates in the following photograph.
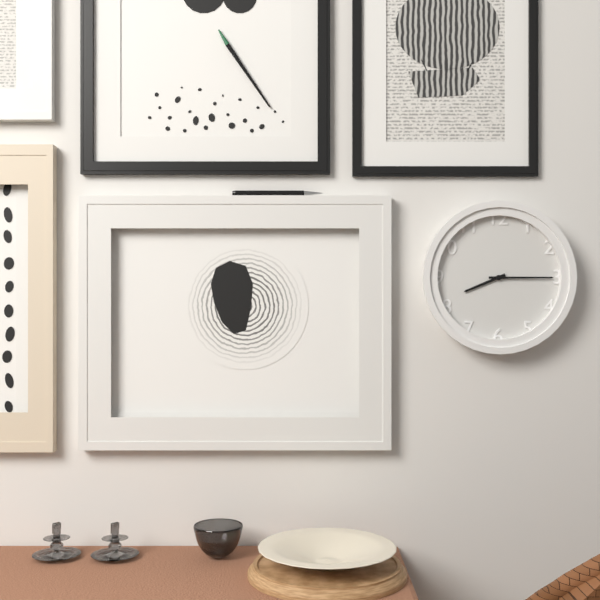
8:15
